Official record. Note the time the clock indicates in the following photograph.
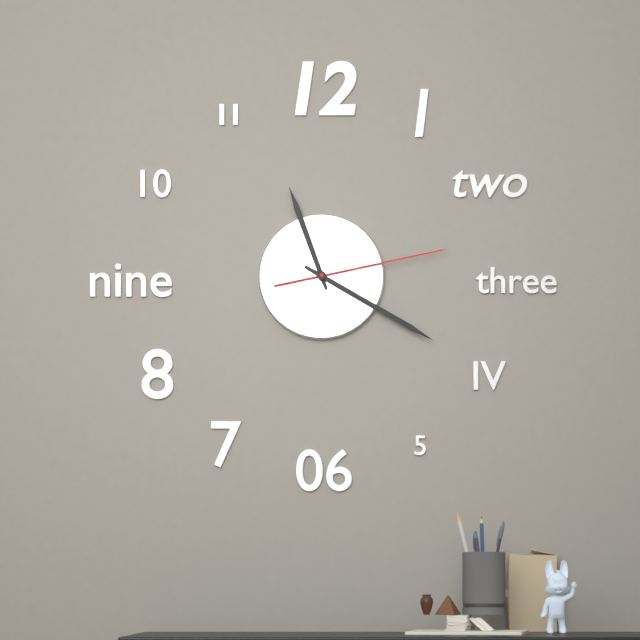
11:20:13
